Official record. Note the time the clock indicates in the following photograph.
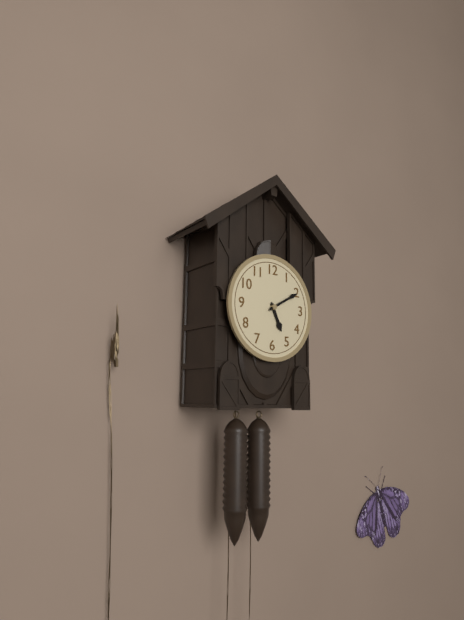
5:10
